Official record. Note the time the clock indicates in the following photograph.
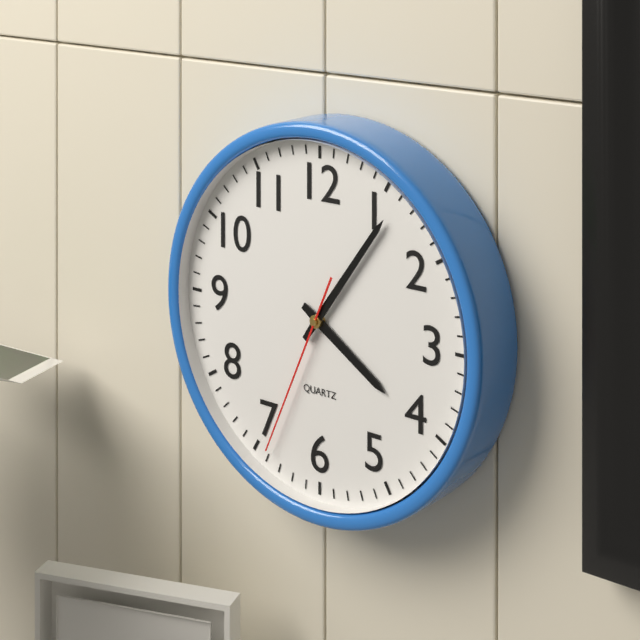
4:06:34
